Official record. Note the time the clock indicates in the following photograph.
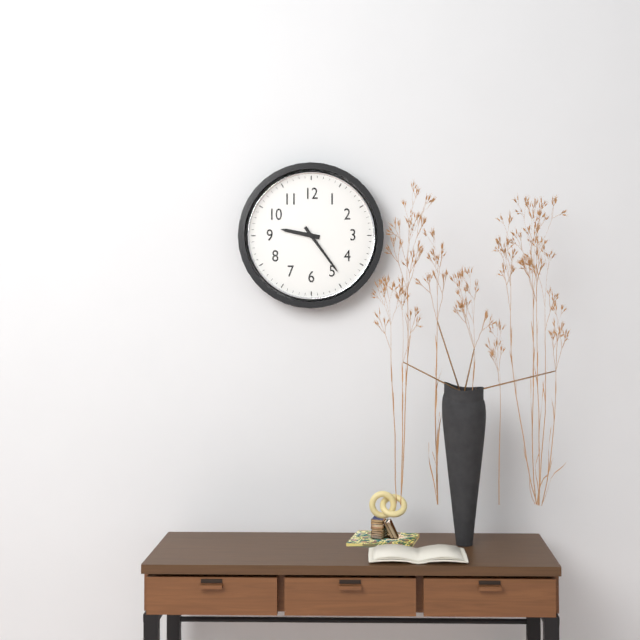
9:24
